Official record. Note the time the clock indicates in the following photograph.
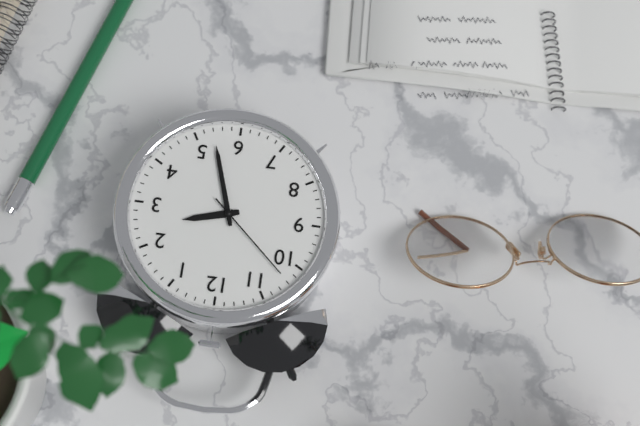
2:27:52
